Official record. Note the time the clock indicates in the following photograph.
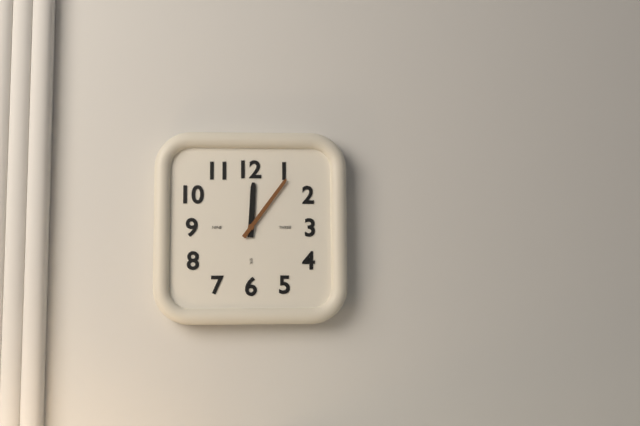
12:06
